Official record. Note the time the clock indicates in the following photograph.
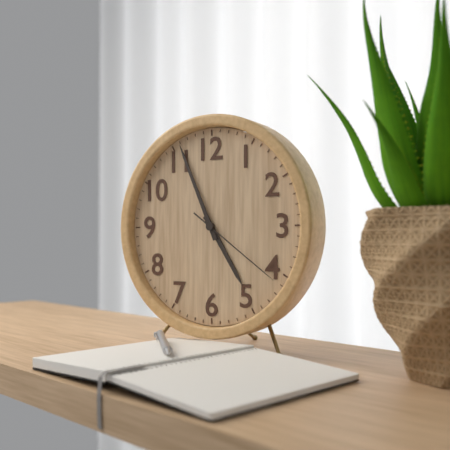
4:56:21
